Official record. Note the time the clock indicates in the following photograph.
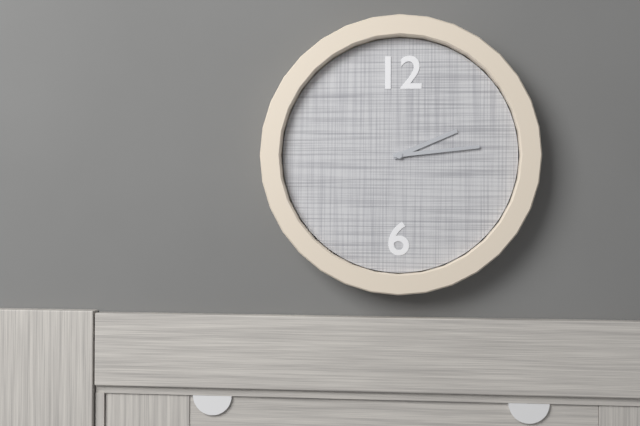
2:14
